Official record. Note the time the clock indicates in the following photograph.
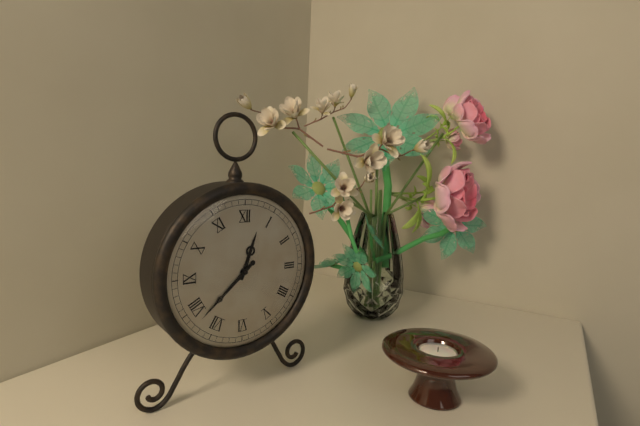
12:38
